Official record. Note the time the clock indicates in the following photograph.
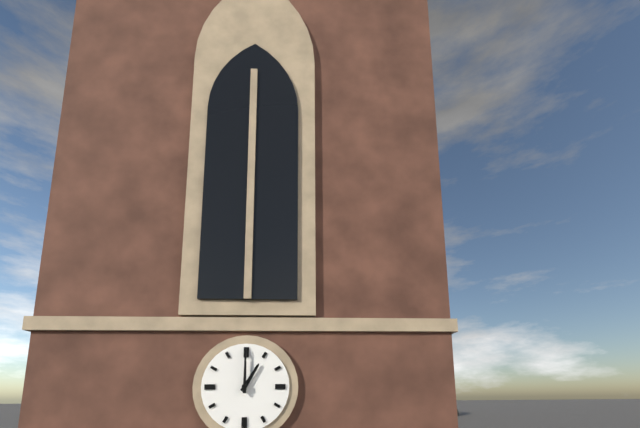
1:00
